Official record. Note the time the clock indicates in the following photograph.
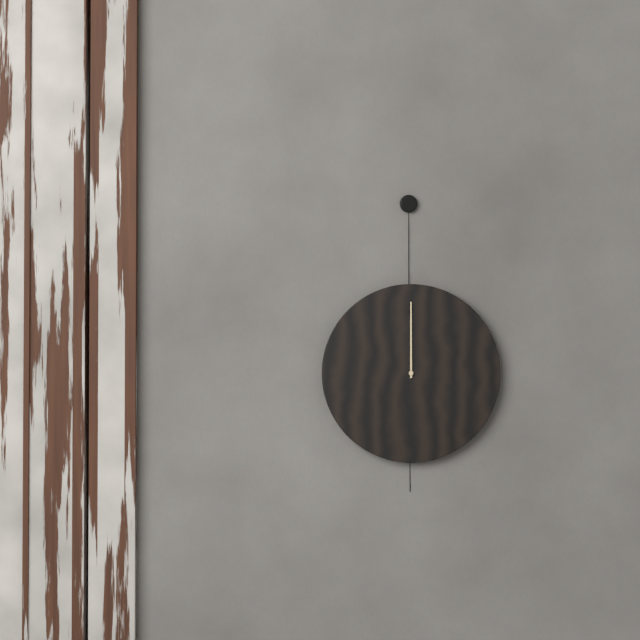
12:00
